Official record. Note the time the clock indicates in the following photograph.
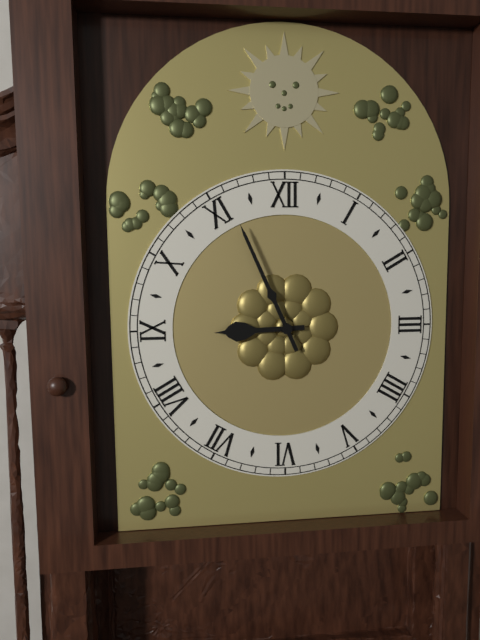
8:56
